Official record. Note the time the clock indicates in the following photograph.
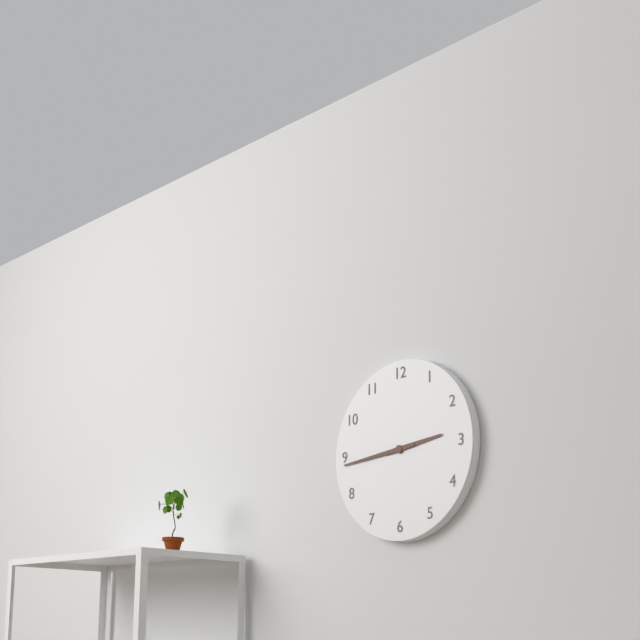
2:44
